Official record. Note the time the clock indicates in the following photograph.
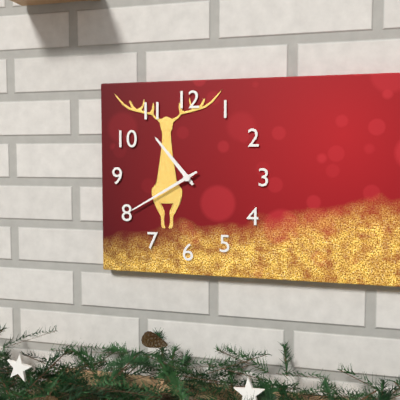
10:40
